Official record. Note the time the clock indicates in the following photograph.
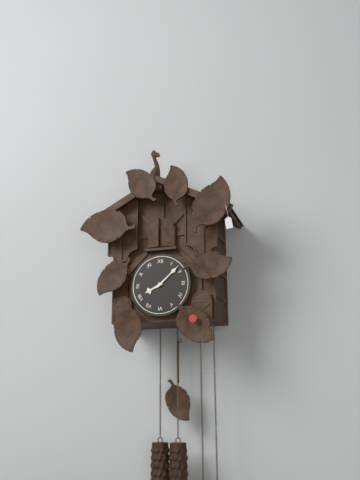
8:08
